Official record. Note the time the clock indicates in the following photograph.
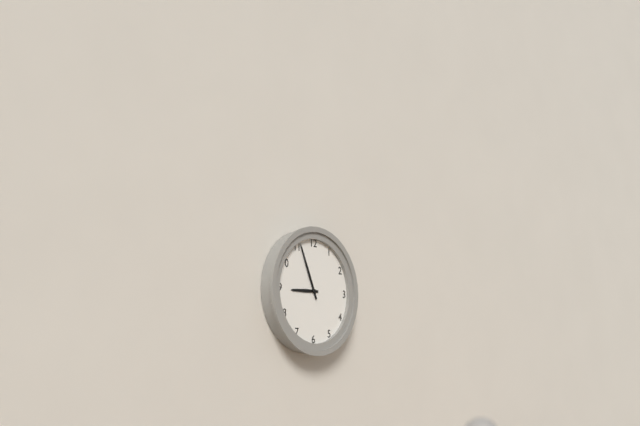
8:56
